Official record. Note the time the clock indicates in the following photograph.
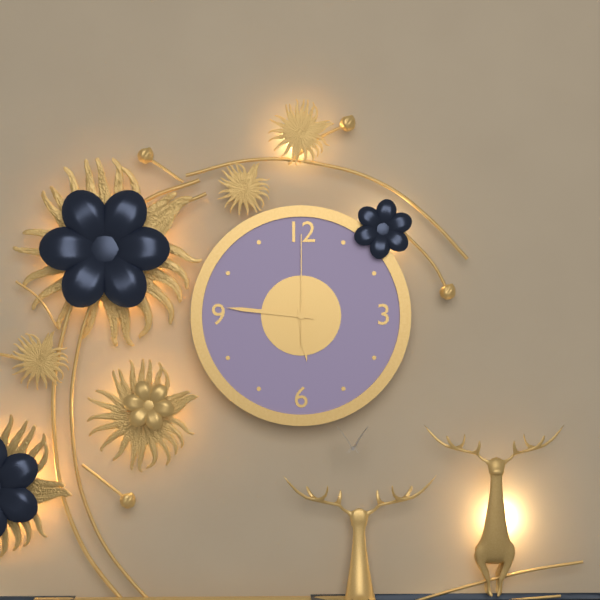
5:46:00
